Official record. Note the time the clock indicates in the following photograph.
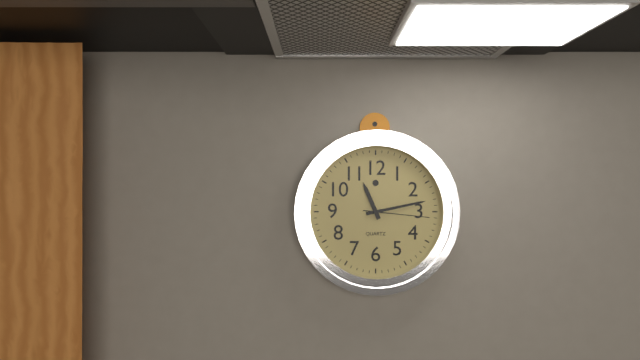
11:13:16
